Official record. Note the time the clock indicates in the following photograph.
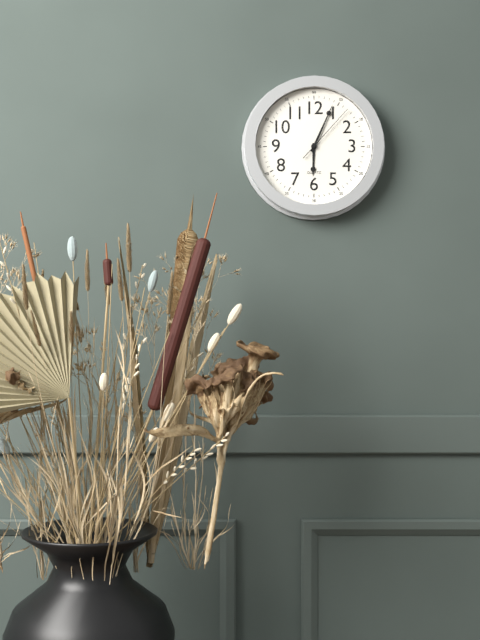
6:04:07
